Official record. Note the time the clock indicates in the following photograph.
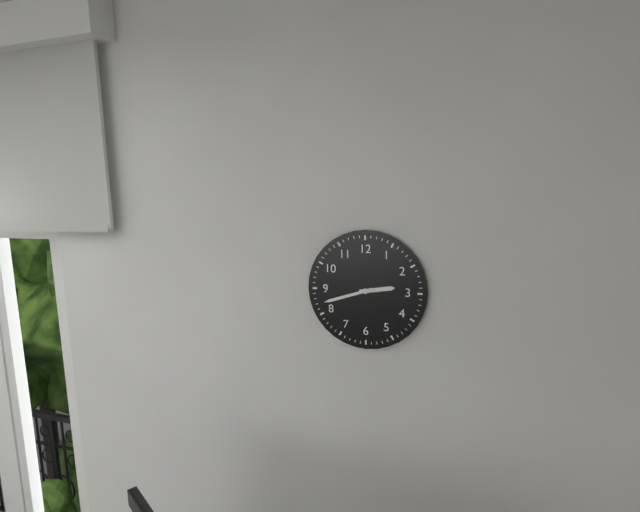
2:42
